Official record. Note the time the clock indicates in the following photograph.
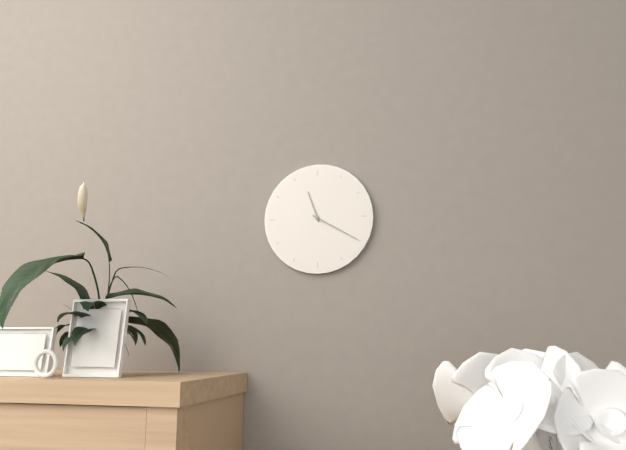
11:20
